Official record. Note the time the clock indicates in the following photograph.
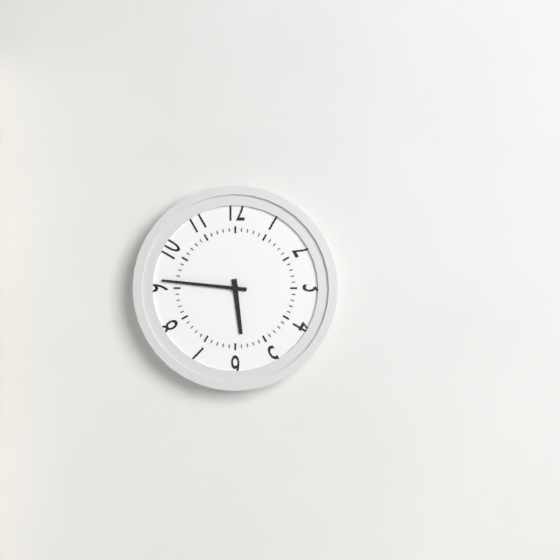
5:46
